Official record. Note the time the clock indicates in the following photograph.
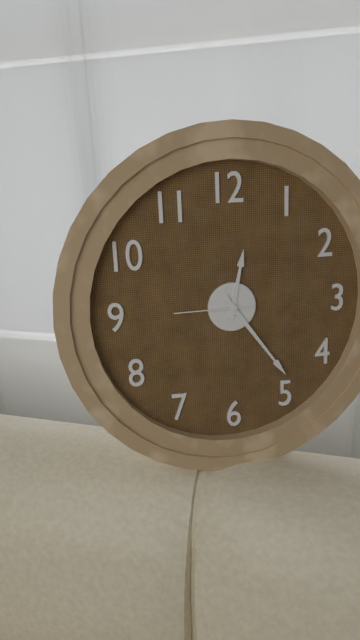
12:24:45
